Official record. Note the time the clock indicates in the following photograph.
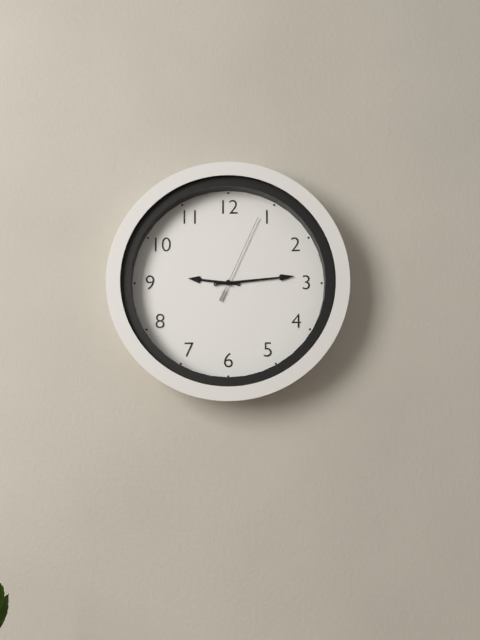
9:14:04
